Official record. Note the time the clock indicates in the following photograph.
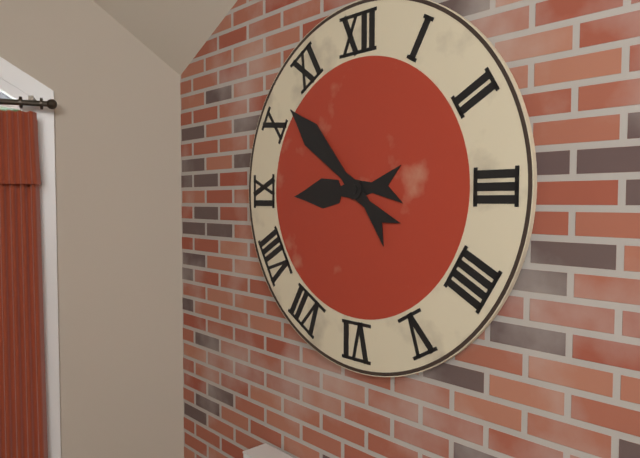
8:52
